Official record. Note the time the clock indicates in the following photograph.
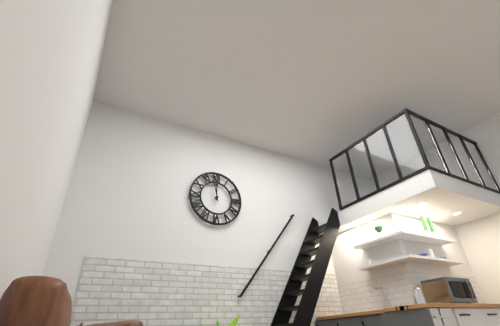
11:58
